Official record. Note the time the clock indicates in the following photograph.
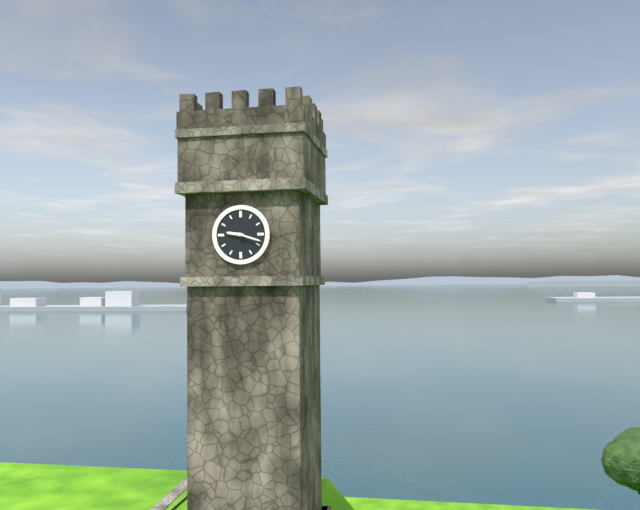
9:18
